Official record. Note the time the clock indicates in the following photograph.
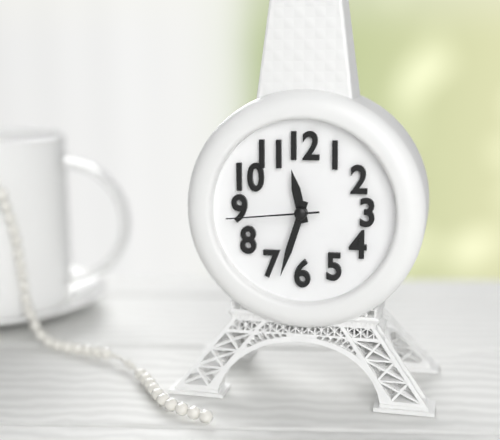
11:33:44
